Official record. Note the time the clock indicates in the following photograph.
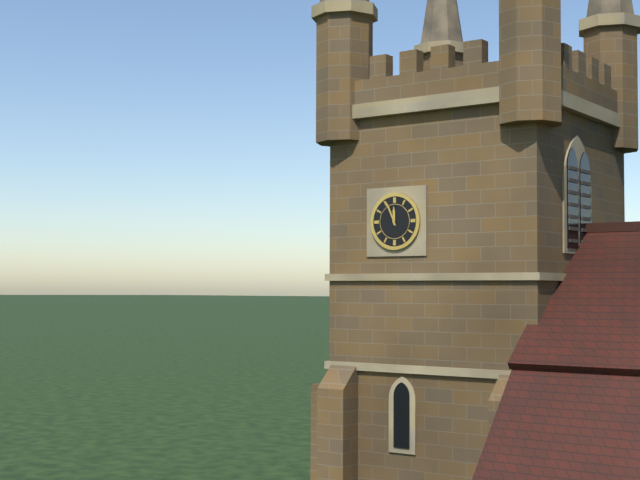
11:56
